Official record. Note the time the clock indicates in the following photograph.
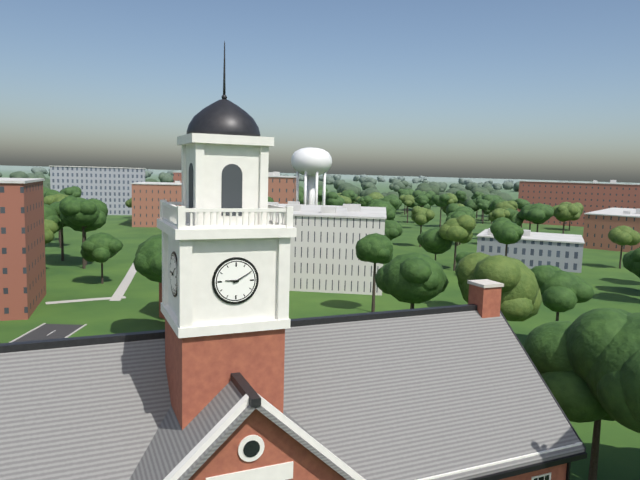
9:10
